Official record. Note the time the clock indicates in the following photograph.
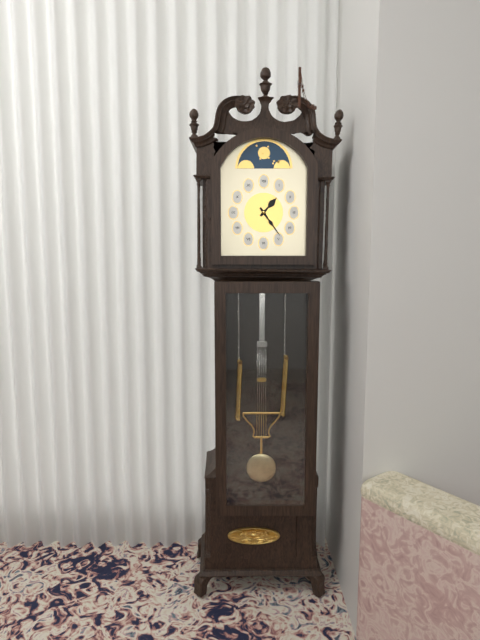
1:24
